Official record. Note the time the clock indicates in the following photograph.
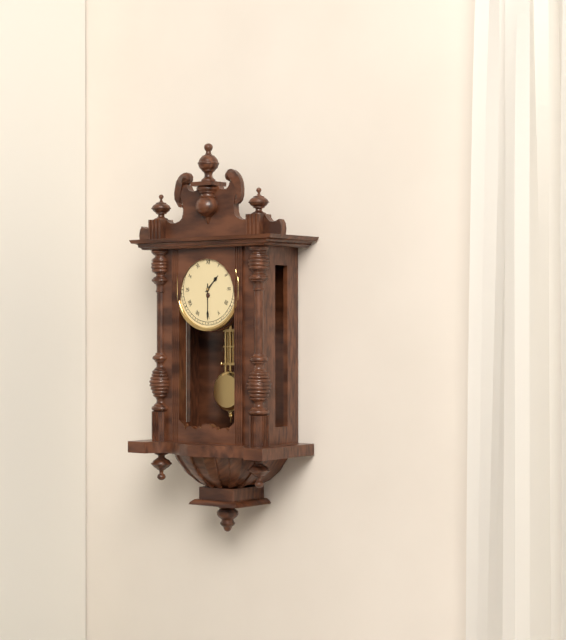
1:30
